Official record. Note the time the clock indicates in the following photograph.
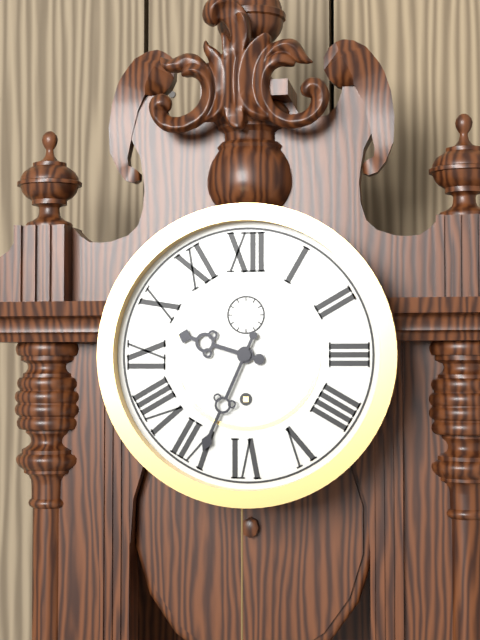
9:34
